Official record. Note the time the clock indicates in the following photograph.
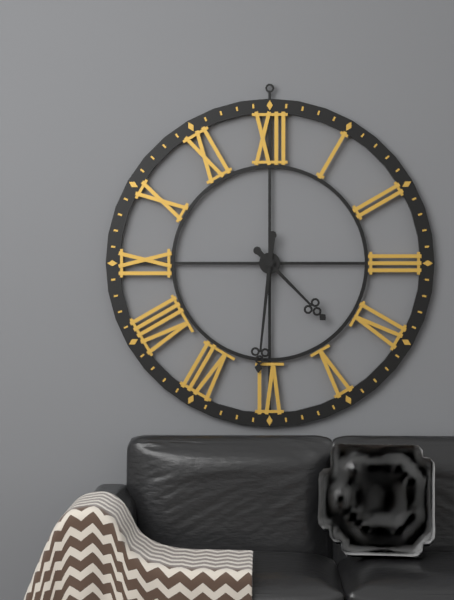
4:31
